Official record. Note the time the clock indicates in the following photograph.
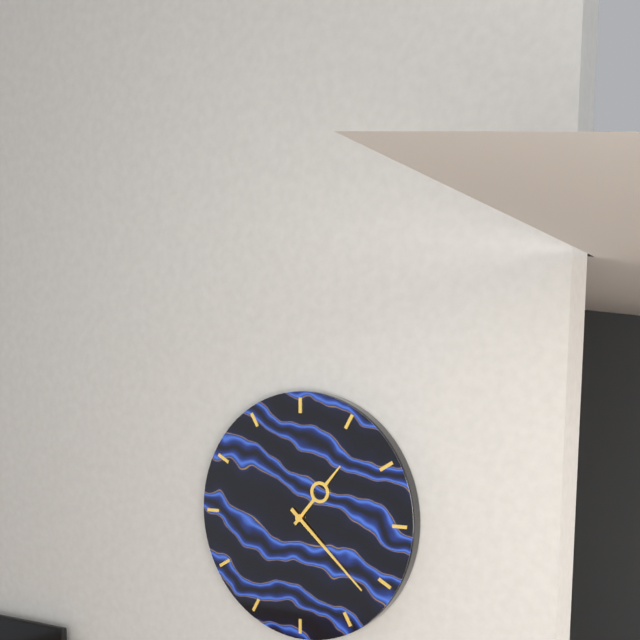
1:22
